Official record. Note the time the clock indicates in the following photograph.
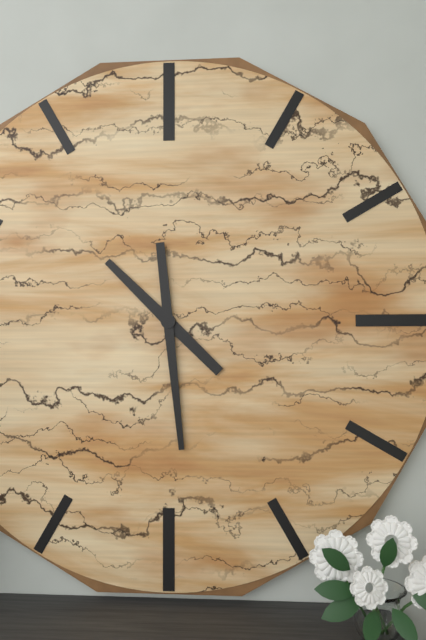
10:29
